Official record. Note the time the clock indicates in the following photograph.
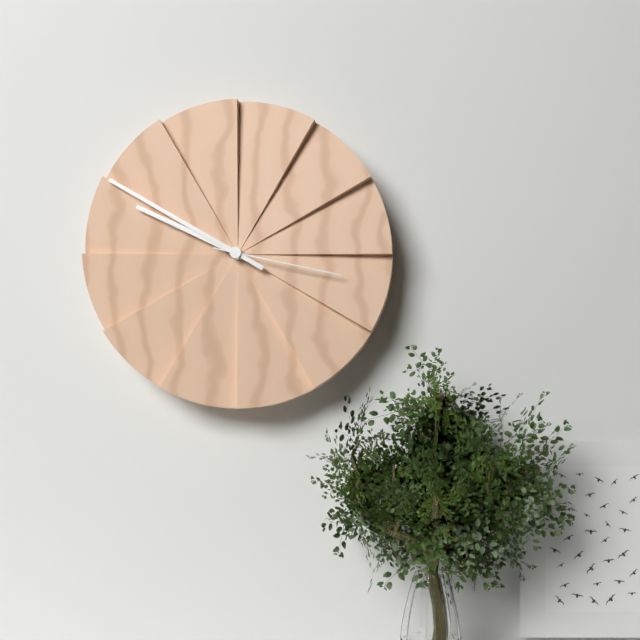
9:50:17
